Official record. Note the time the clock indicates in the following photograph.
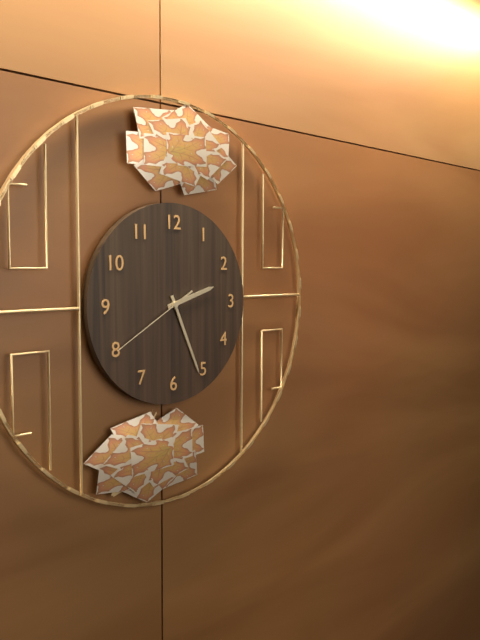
2:26:40
